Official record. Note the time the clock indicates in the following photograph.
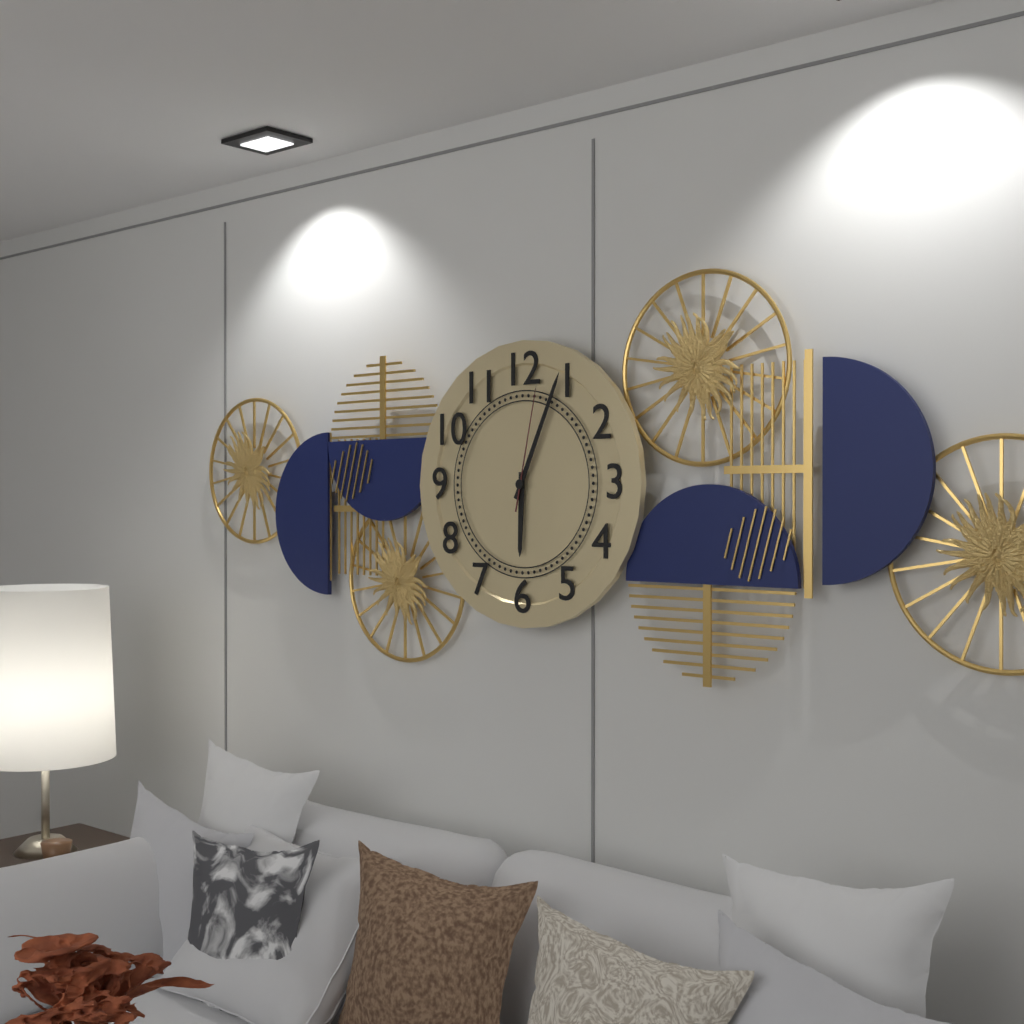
6:04:02
